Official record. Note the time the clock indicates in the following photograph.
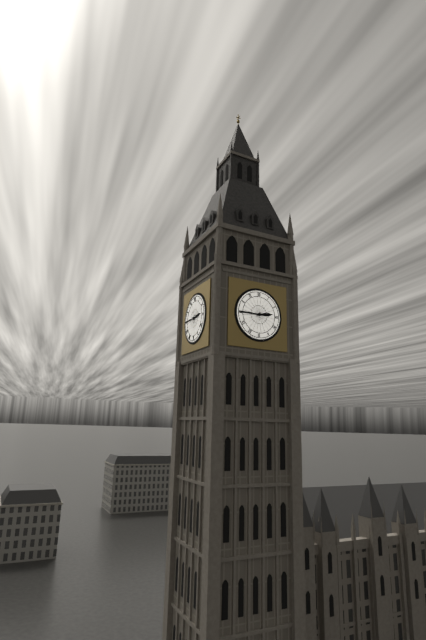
2:45
